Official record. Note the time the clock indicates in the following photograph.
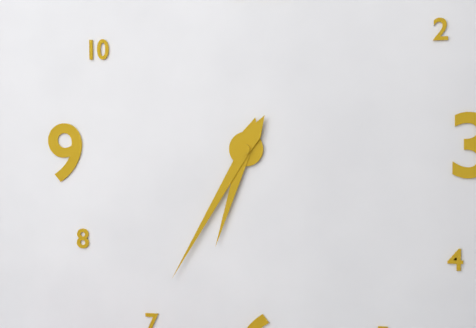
6:35
